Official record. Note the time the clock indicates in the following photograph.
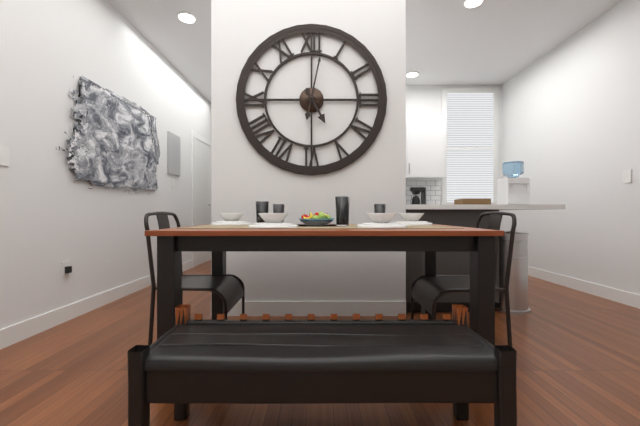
5:02
